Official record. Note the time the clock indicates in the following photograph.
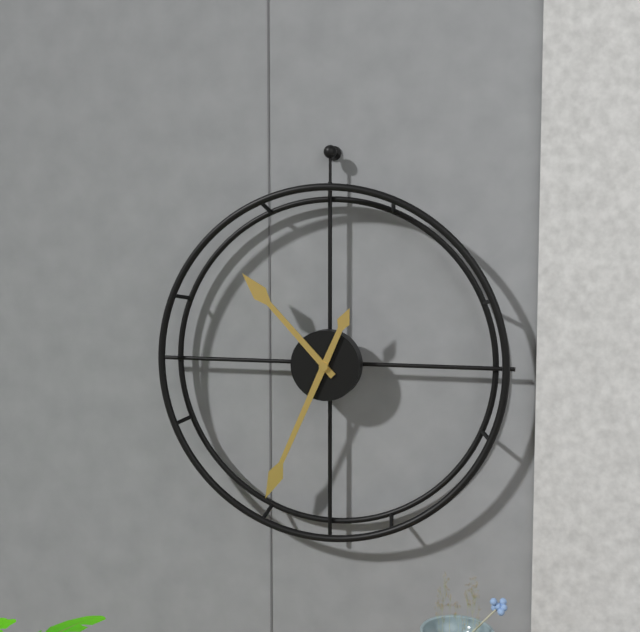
10:34
